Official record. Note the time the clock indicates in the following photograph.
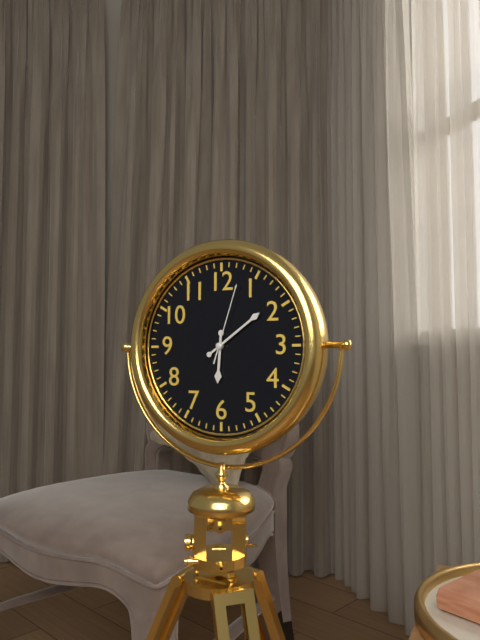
6:09:03
